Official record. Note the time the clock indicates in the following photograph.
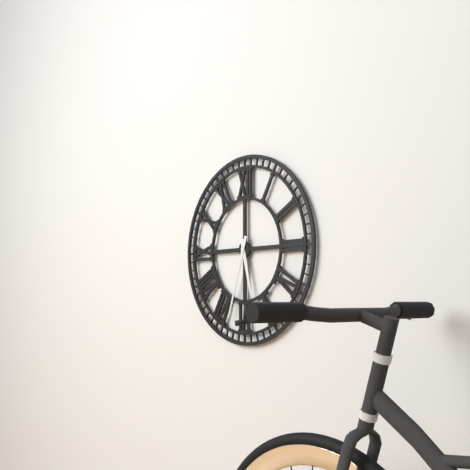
5:33
